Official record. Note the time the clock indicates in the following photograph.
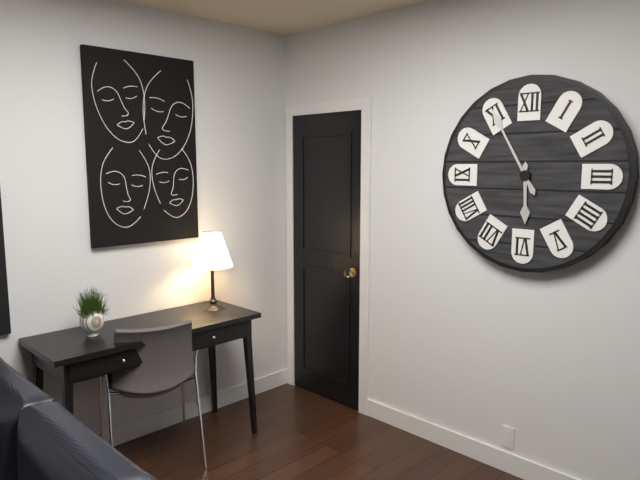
5:55
